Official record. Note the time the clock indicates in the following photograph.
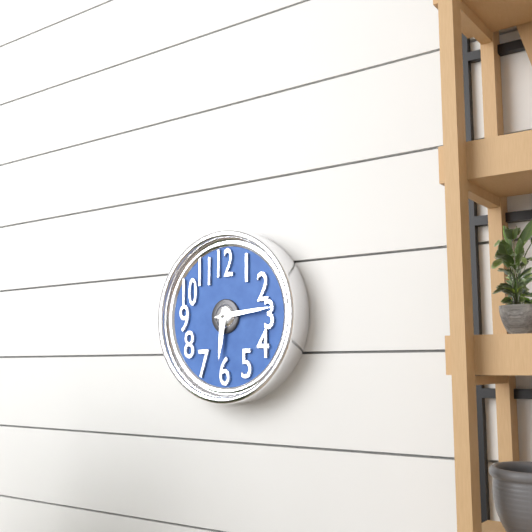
6:14
